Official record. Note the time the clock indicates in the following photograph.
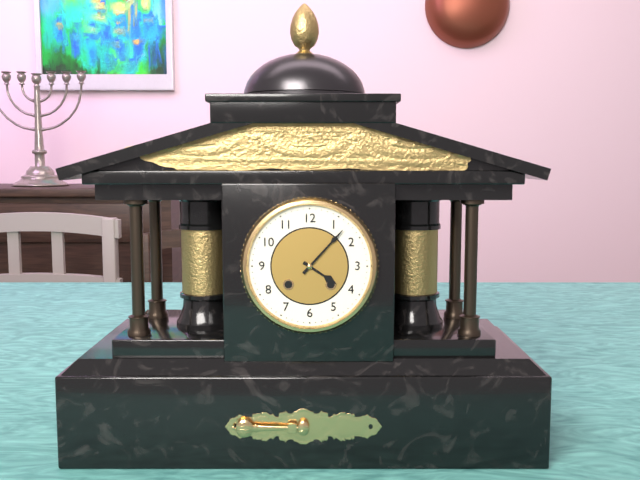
4:07
